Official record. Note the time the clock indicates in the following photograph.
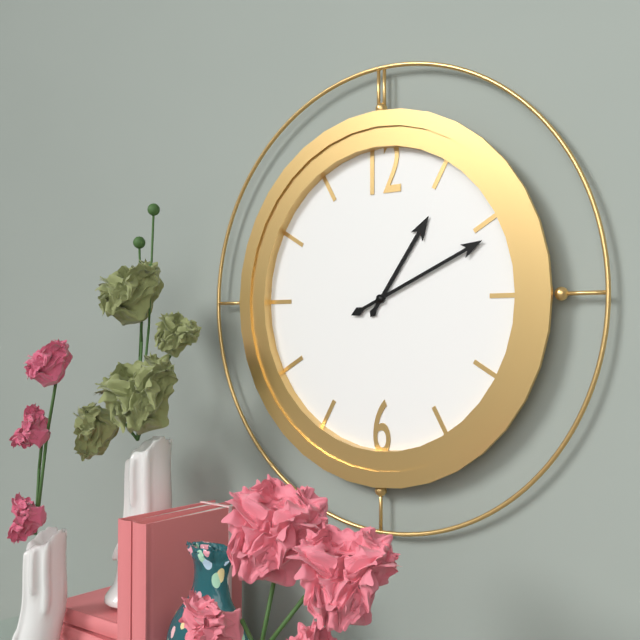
1:11
